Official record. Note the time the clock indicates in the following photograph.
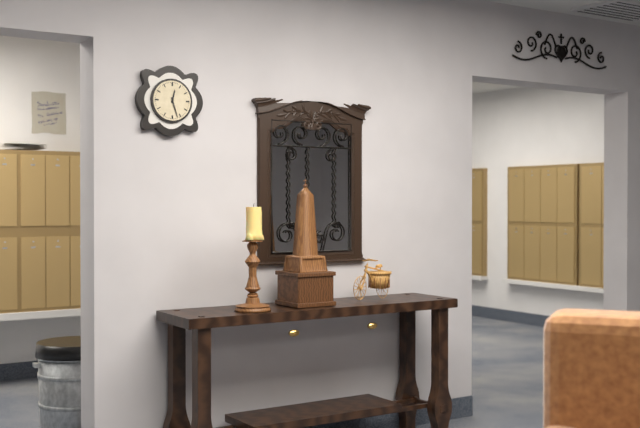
12:27
